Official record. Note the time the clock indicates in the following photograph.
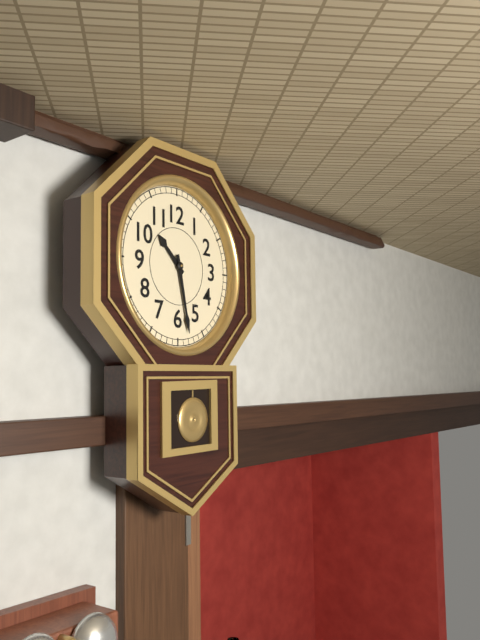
10:28
